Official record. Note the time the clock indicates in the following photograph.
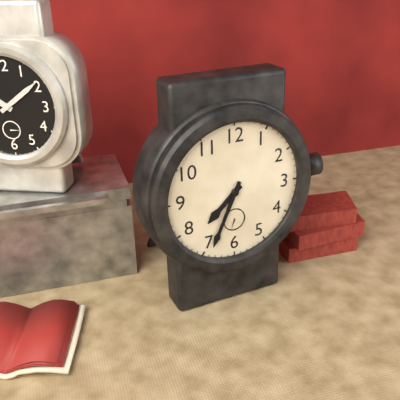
7:34
